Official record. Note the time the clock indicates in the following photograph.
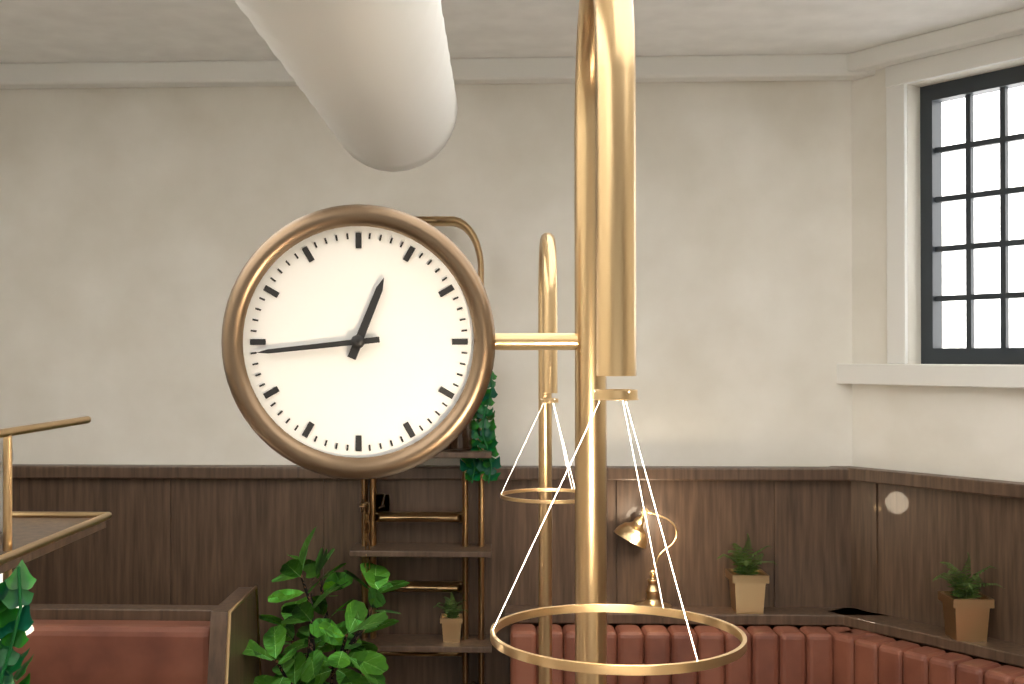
12:44
